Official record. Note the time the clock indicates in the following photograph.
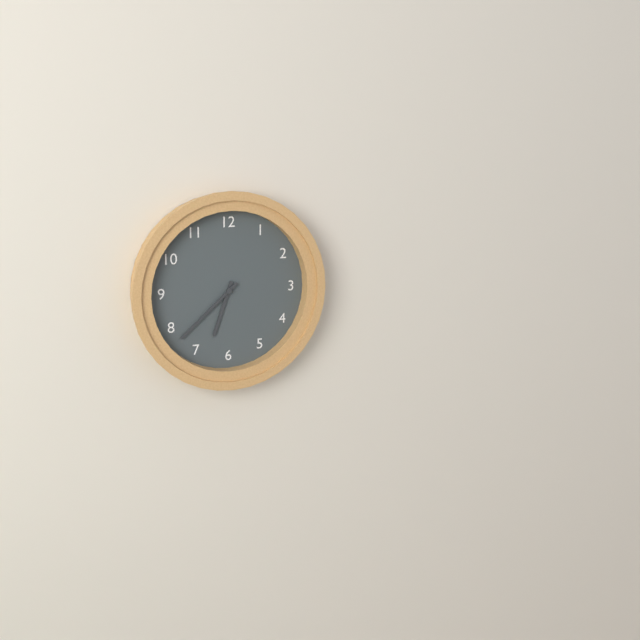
6:38
